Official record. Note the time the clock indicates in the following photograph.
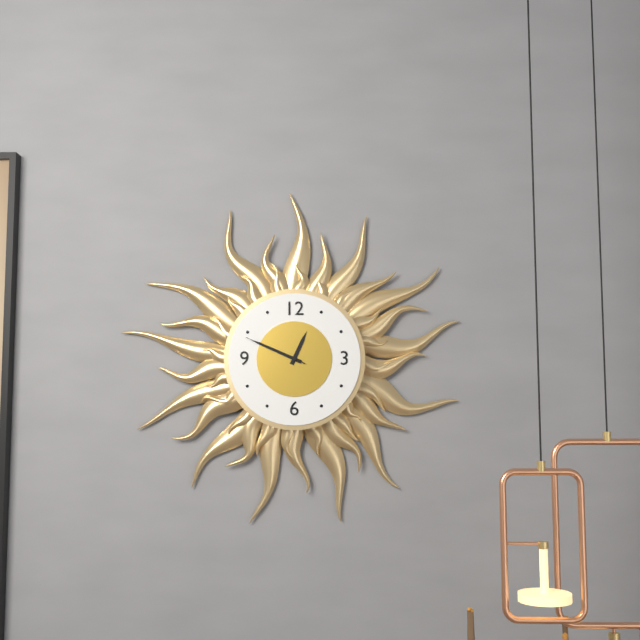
12:49:49
